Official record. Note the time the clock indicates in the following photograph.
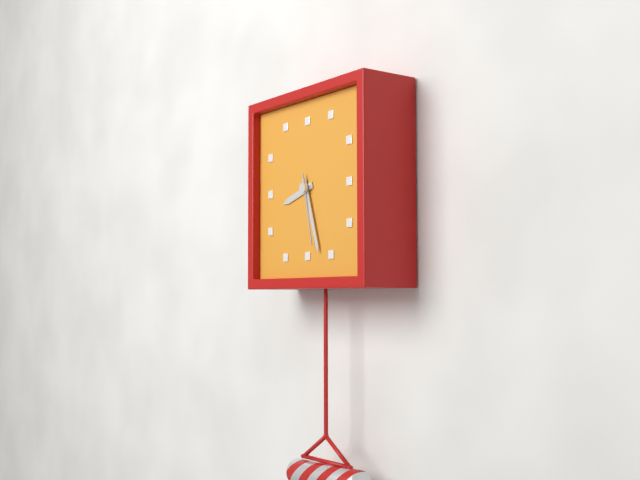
8:27:28
